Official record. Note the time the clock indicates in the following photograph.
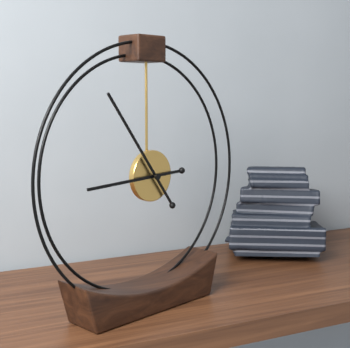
8:54
